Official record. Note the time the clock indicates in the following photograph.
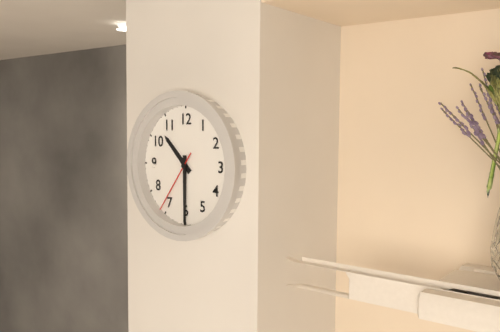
10:30:36
